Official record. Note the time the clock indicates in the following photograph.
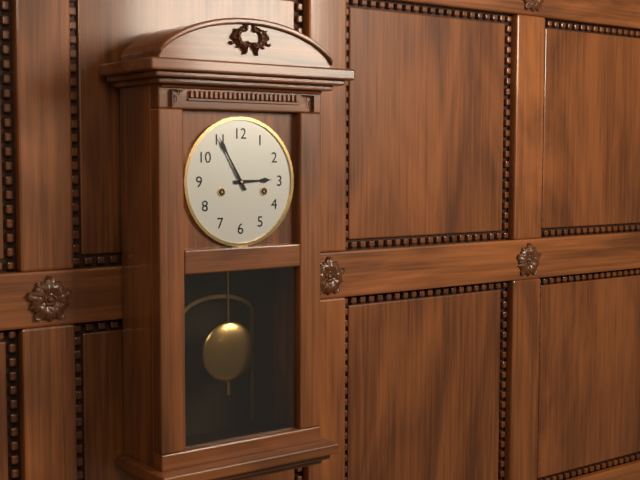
2:55
